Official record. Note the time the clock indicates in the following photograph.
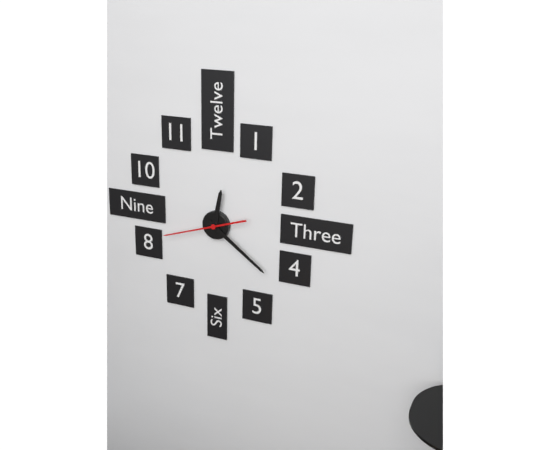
12:21:42
